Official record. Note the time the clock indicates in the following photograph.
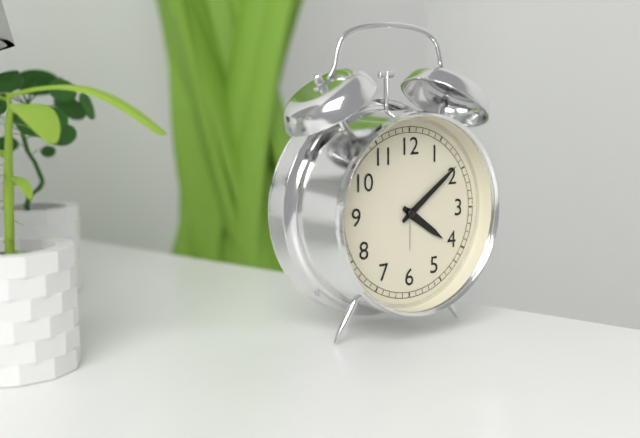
4:09
